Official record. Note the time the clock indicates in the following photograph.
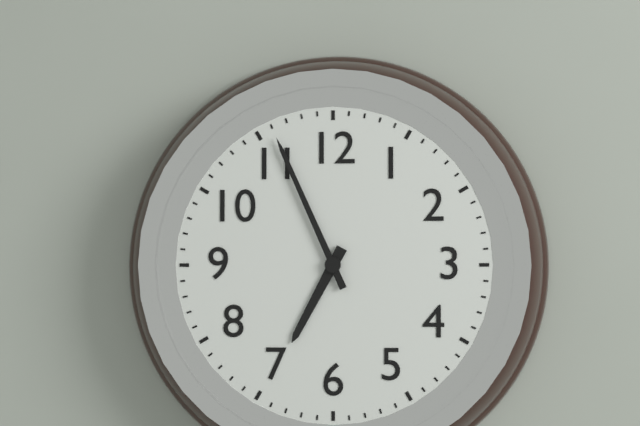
6:56
